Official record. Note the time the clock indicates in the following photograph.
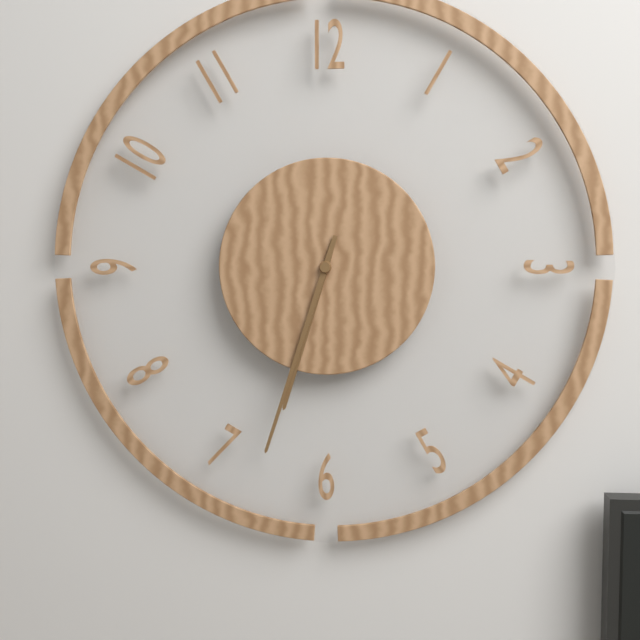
6:33
